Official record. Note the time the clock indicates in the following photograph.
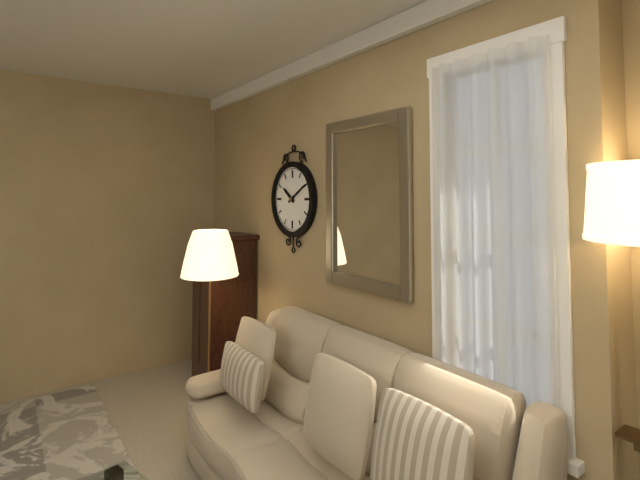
10:10
